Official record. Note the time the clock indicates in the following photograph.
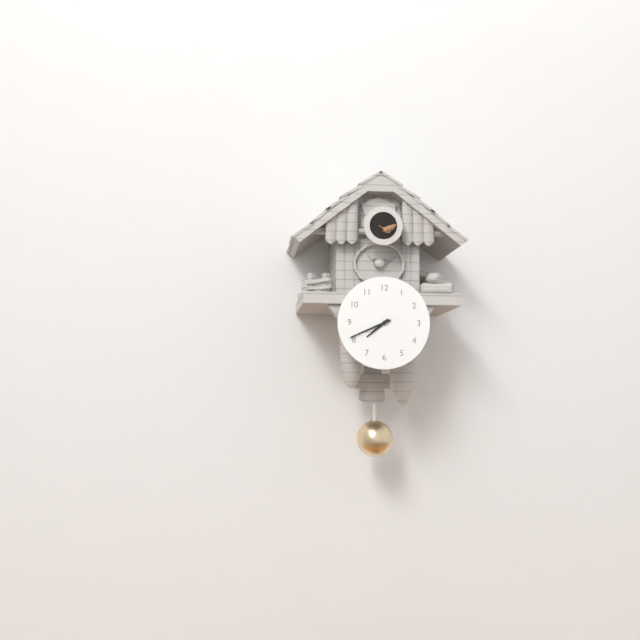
7:41
